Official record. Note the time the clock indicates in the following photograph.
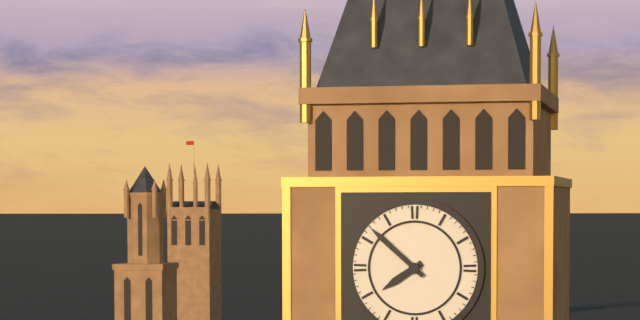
7:52
